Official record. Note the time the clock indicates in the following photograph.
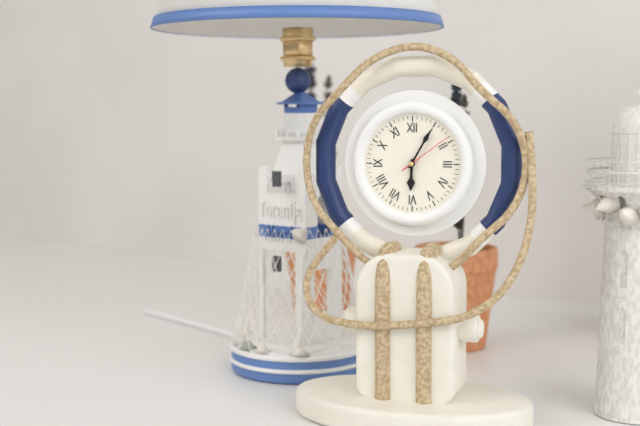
6:05:09
